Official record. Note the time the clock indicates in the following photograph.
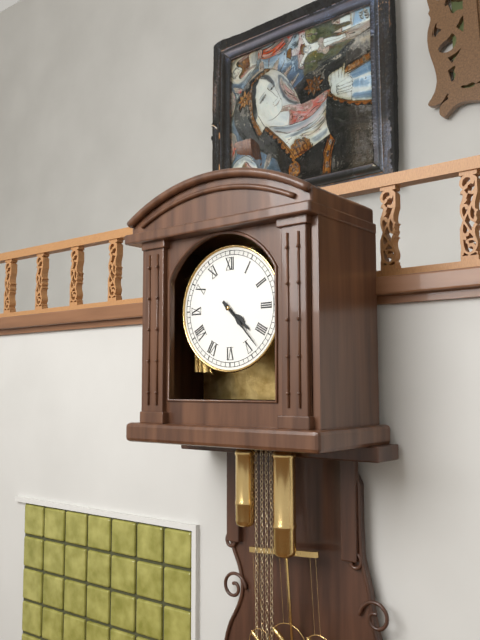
4:23
